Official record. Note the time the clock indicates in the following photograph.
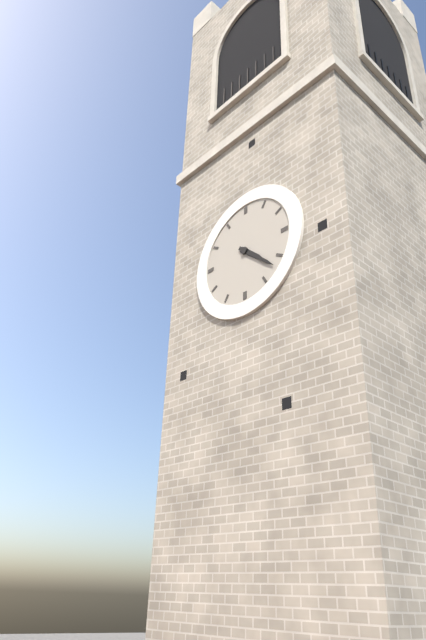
4:22
